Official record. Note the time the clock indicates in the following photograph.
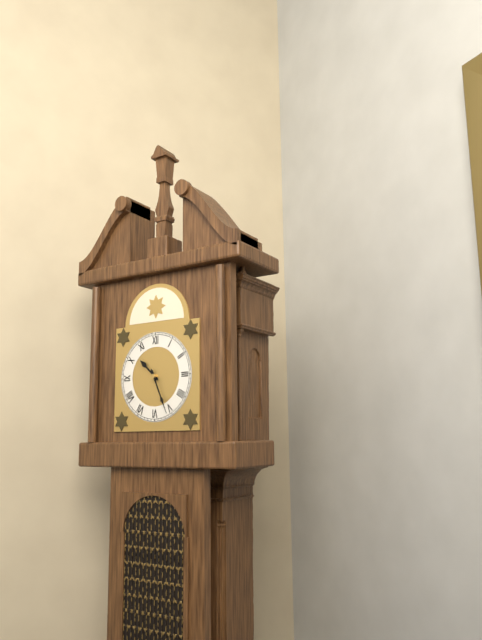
10:26
